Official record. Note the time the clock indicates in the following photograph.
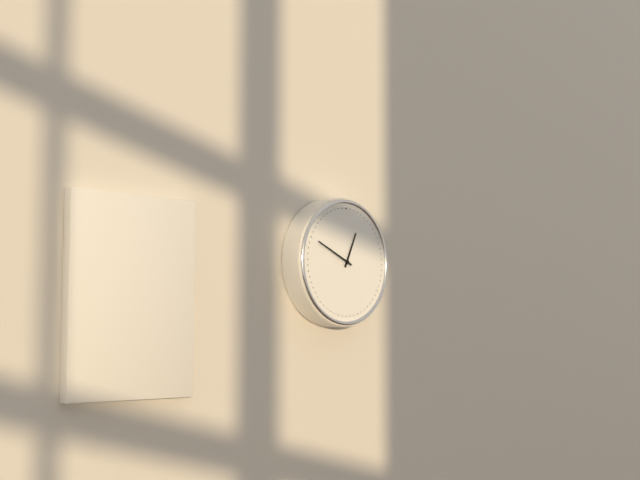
12:49
